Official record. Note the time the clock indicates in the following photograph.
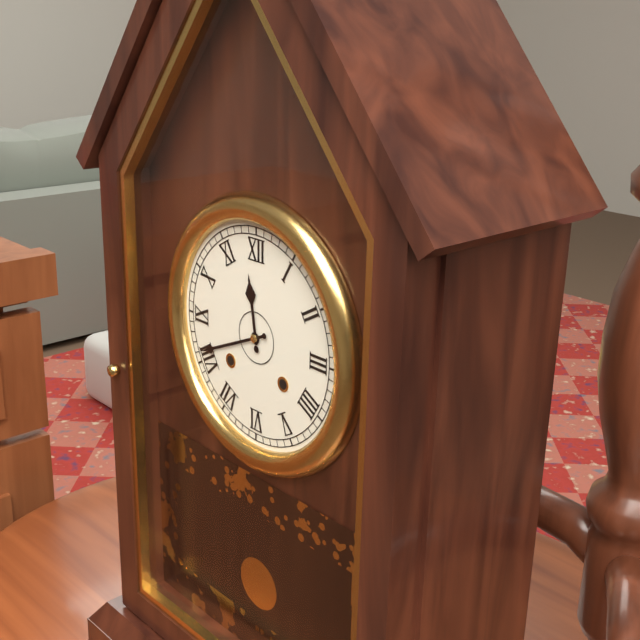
11:41
